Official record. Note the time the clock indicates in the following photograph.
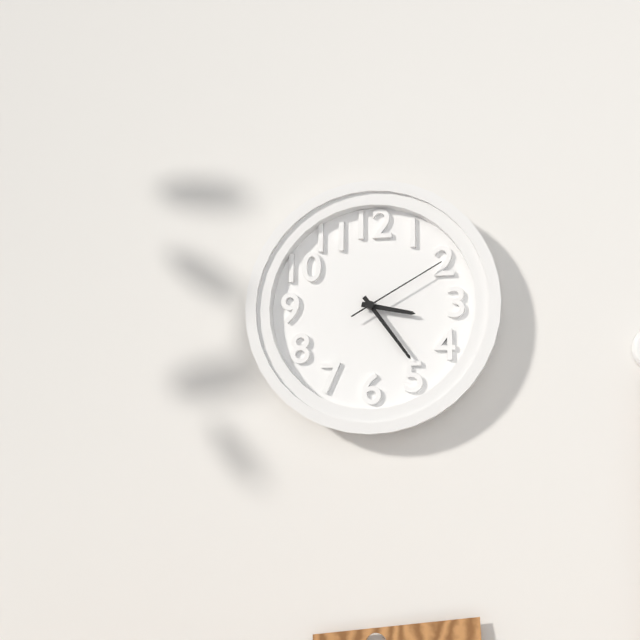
3:24:10
